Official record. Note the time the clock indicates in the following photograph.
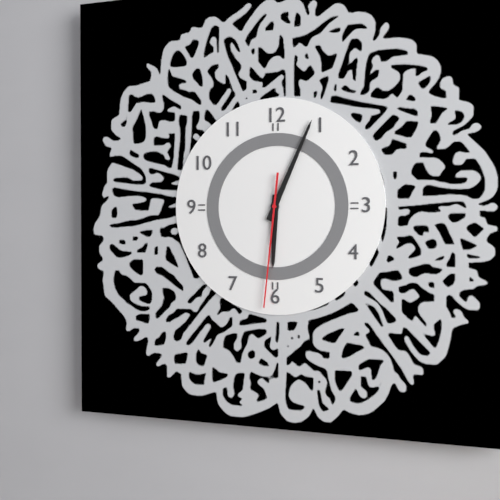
6:04:31
